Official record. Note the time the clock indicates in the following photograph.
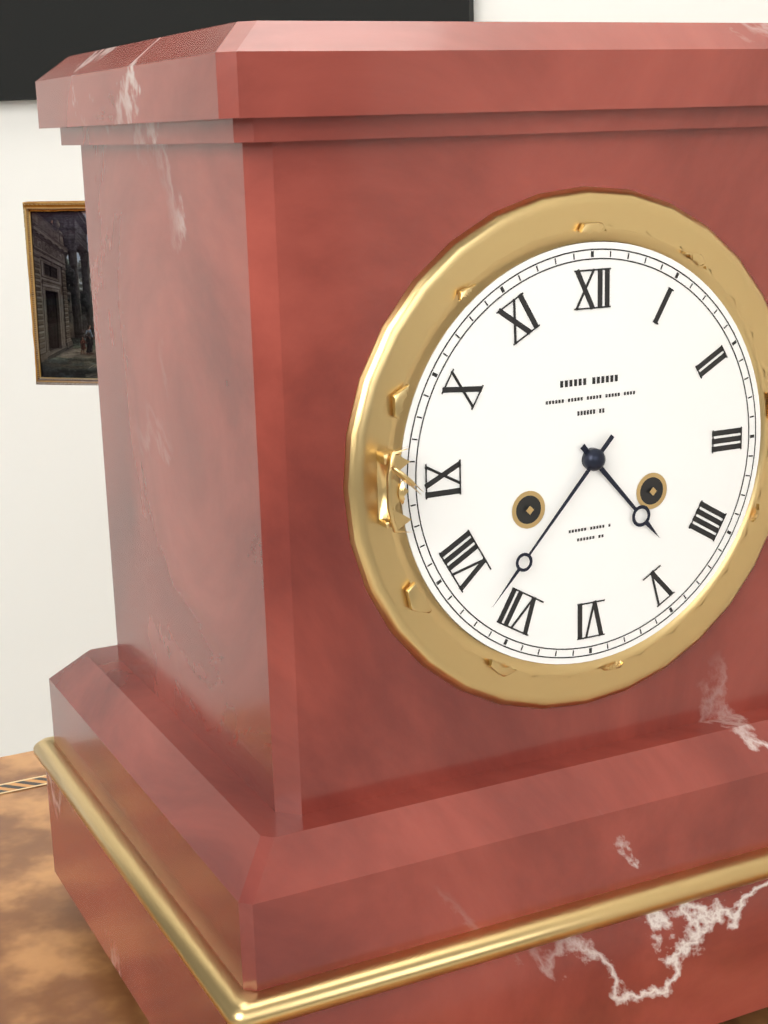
4:37
